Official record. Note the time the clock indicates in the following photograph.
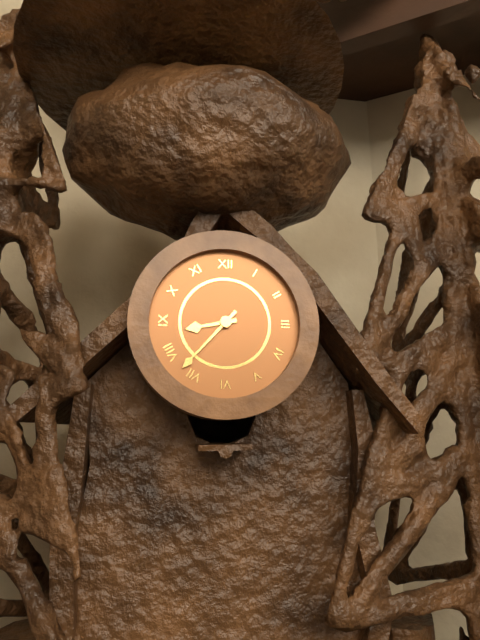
8:37
